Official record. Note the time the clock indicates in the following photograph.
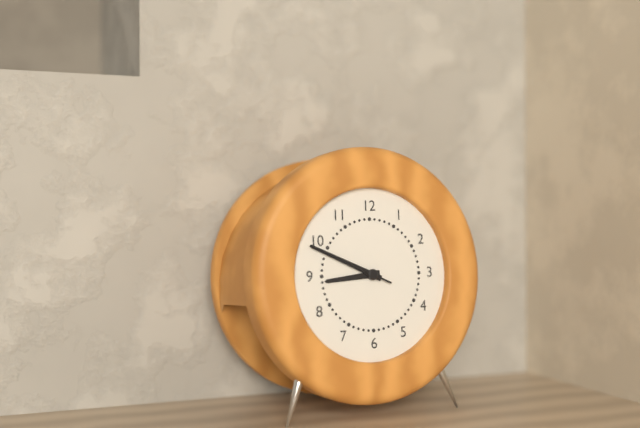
8:49:49
